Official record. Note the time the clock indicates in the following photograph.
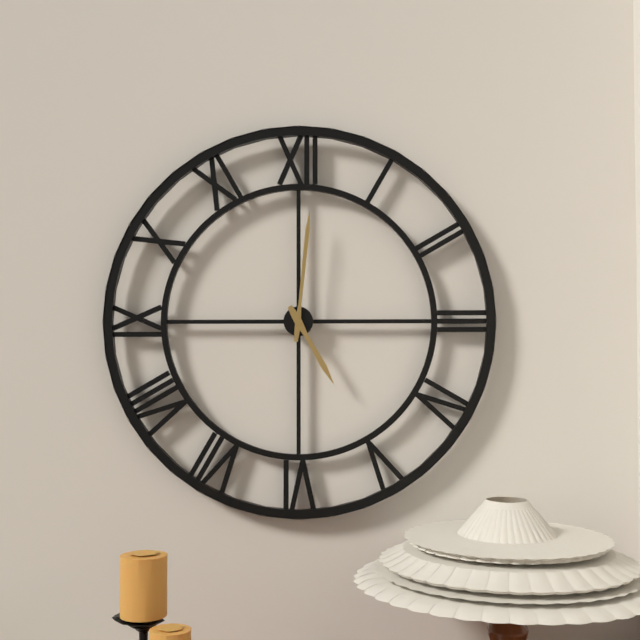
5:01
